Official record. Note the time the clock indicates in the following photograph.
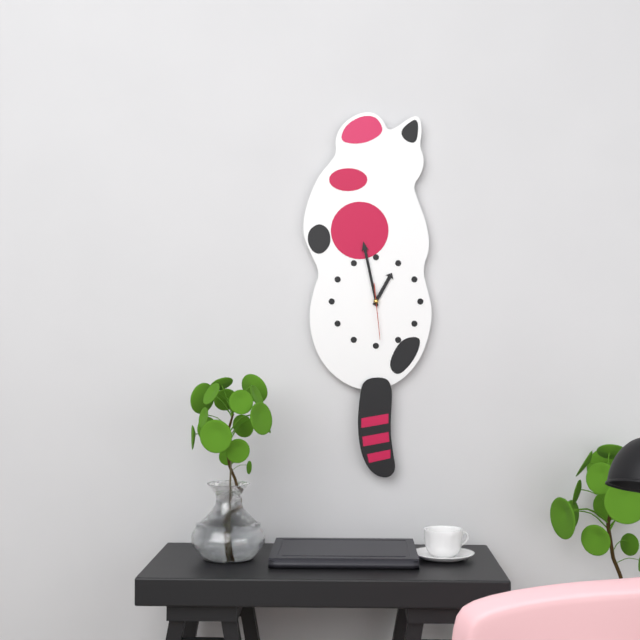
12:58
